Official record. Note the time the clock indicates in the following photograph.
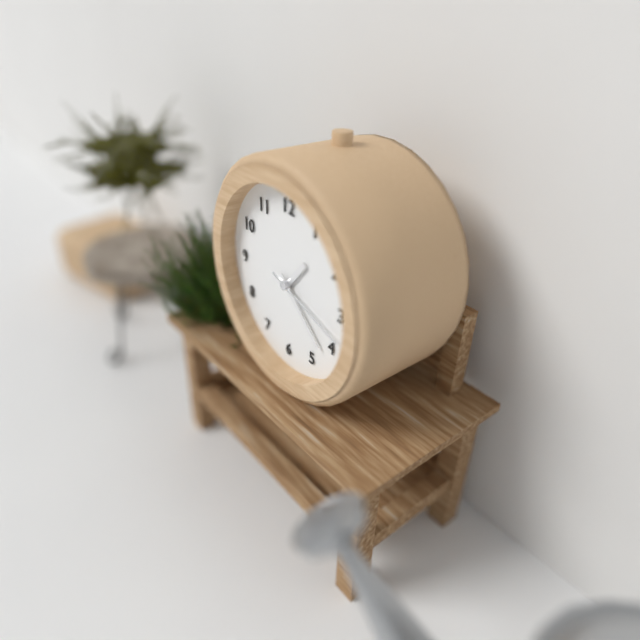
1:22:18
